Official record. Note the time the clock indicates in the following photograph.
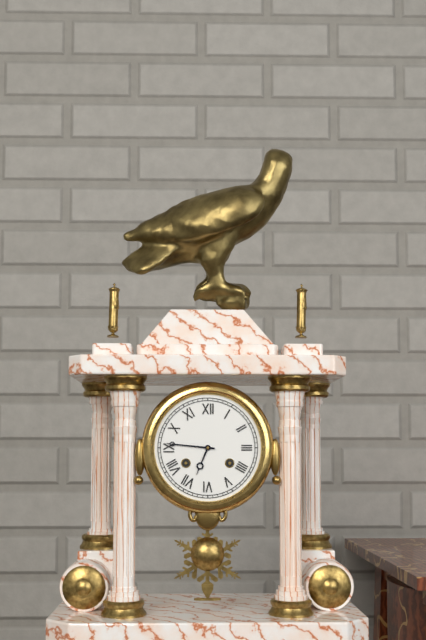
6:46
